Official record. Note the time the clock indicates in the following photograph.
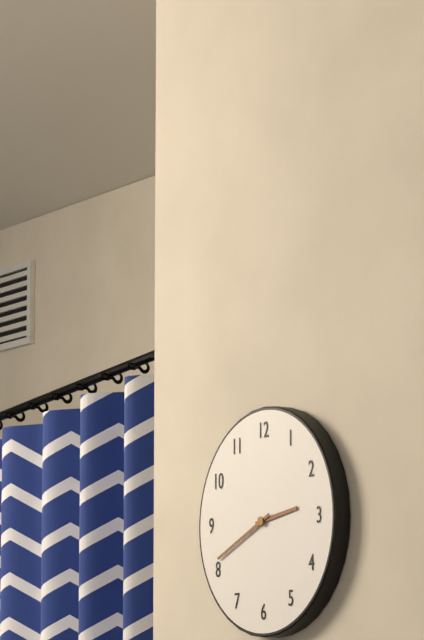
2:41
